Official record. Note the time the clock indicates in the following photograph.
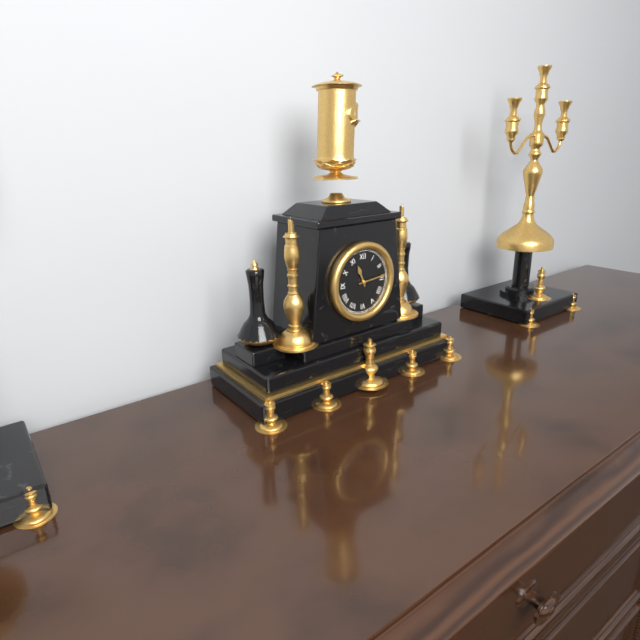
11:14
